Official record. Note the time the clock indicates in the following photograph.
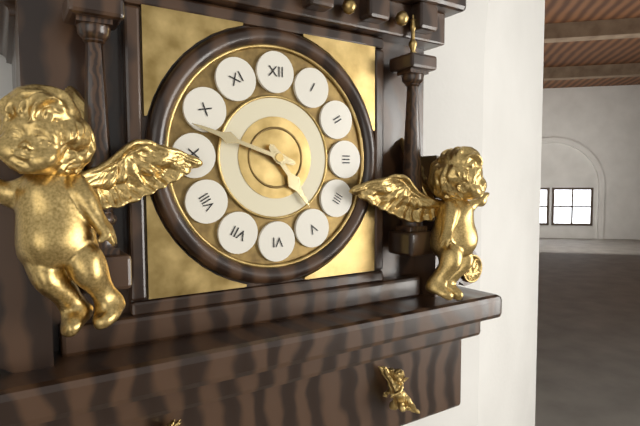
4:48
